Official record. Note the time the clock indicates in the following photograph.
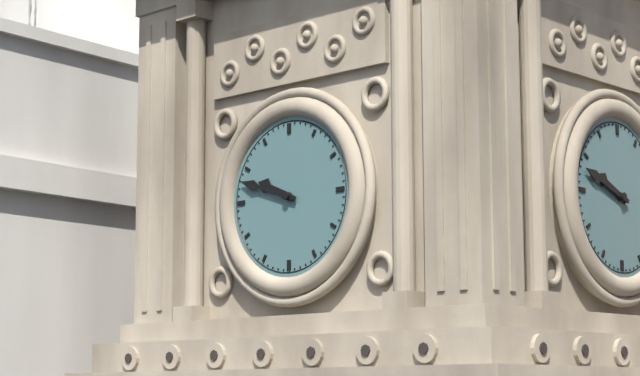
9:48
